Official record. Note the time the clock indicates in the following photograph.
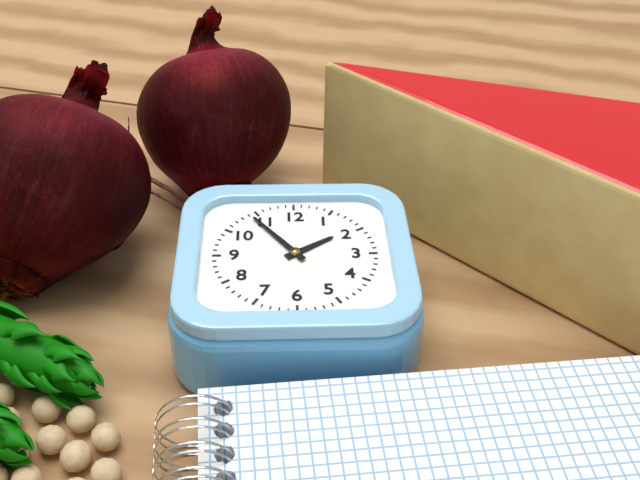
1:54
